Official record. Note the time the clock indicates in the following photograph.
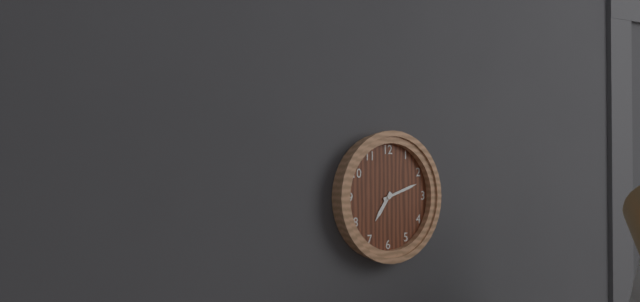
7:12
